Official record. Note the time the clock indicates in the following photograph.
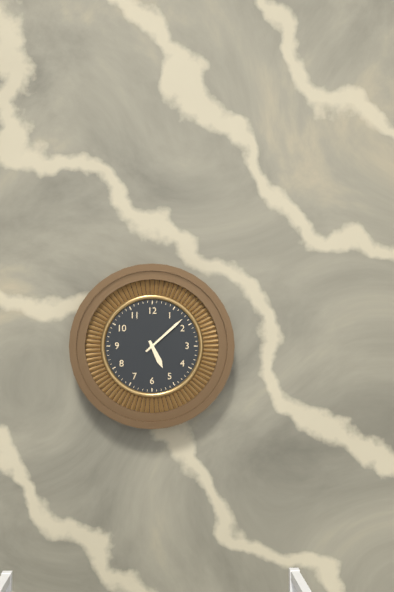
5:08
